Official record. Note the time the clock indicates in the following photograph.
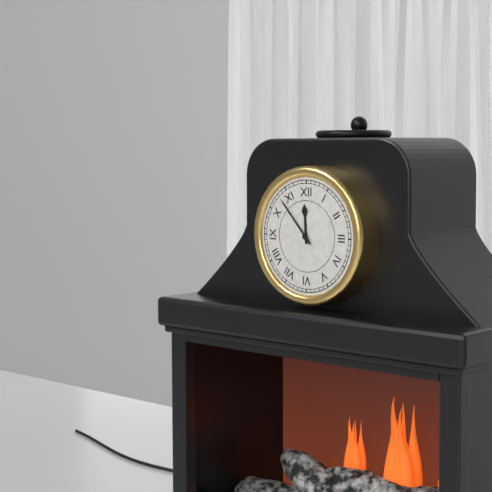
11:53
